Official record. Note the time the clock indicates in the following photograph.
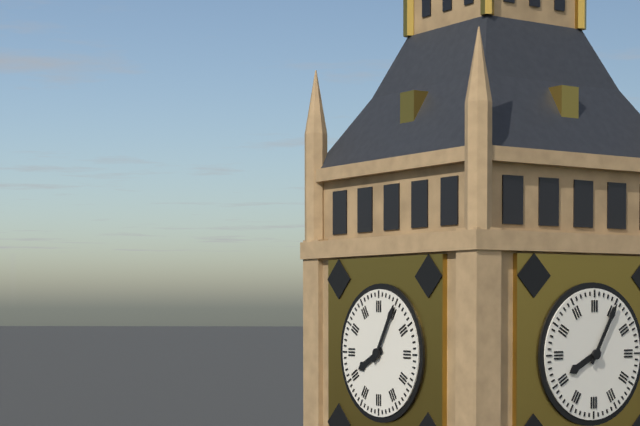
8:05
